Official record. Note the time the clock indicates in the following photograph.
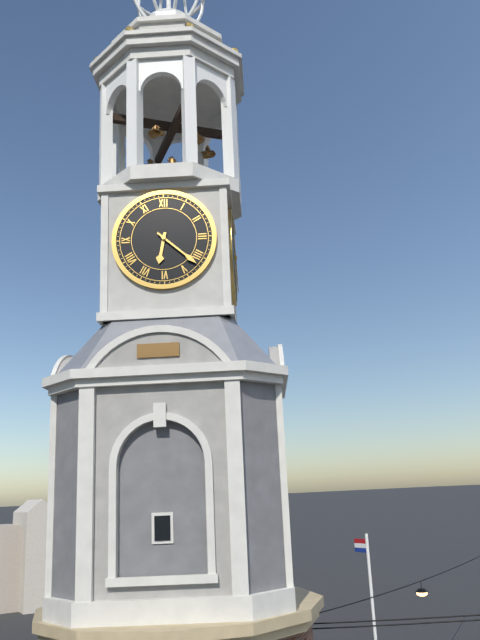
6:22
